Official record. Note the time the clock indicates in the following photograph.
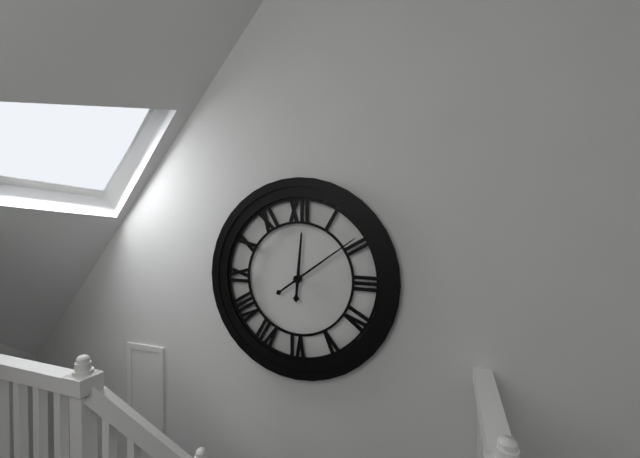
12:09
